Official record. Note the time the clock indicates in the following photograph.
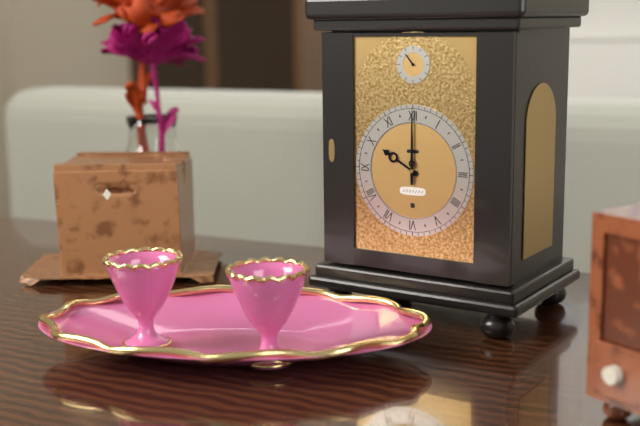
10:00
